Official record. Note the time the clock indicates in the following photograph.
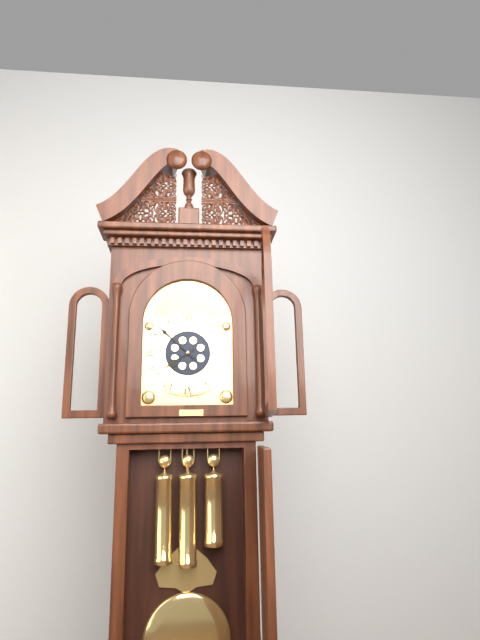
7:52
